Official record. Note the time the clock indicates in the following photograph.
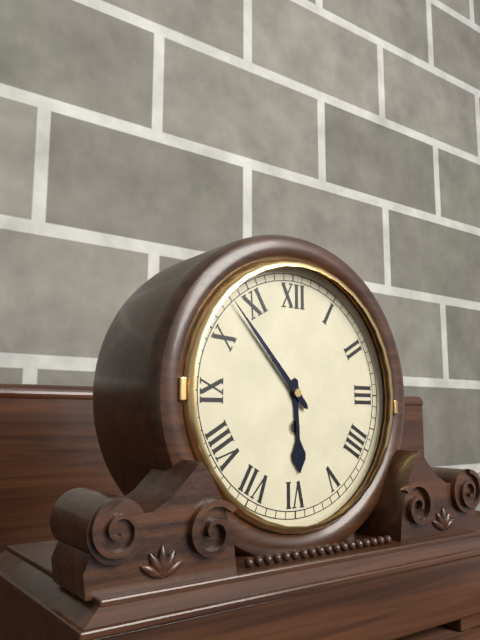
5:53
